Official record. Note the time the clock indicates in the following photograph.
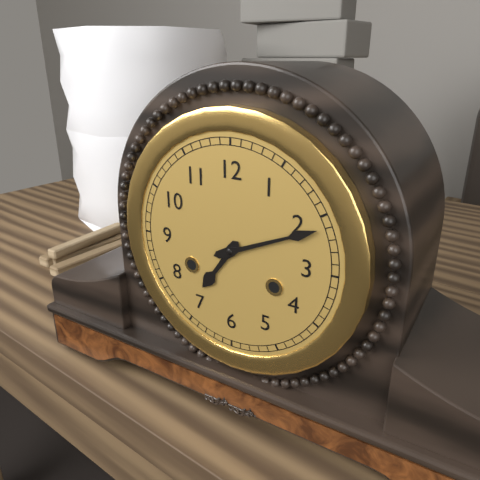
7:11
